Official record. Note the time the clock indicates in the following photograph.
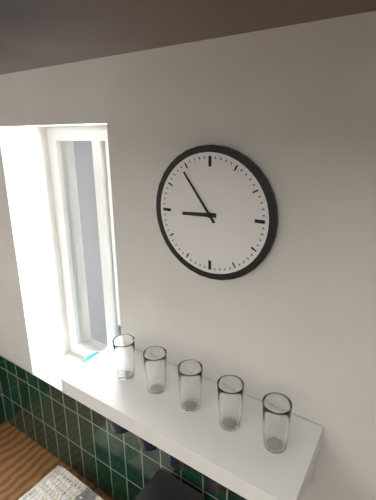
8:54
